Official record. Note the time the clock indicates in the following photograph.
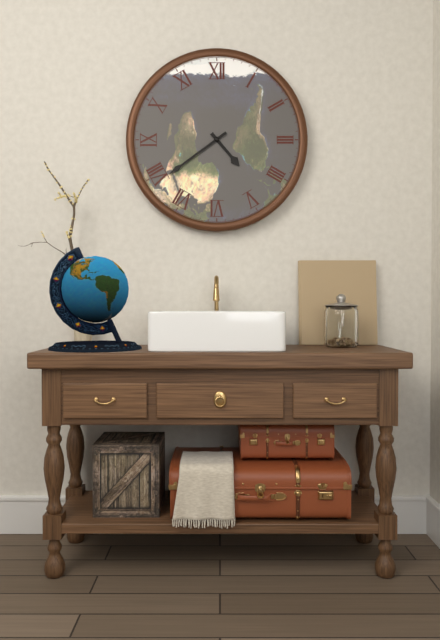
4:39
